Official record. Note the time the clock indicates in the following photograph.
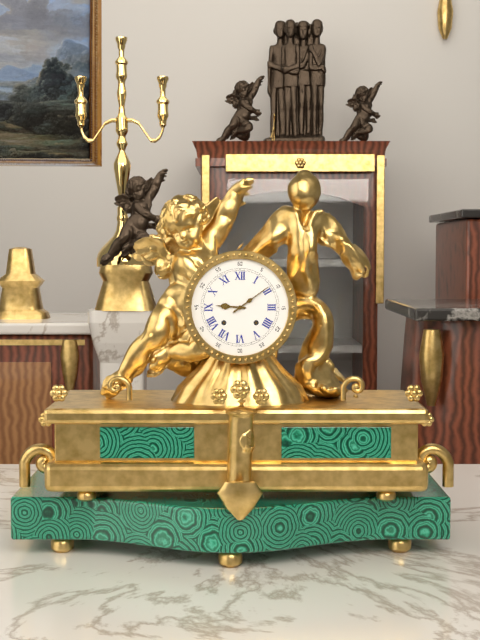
9:09
